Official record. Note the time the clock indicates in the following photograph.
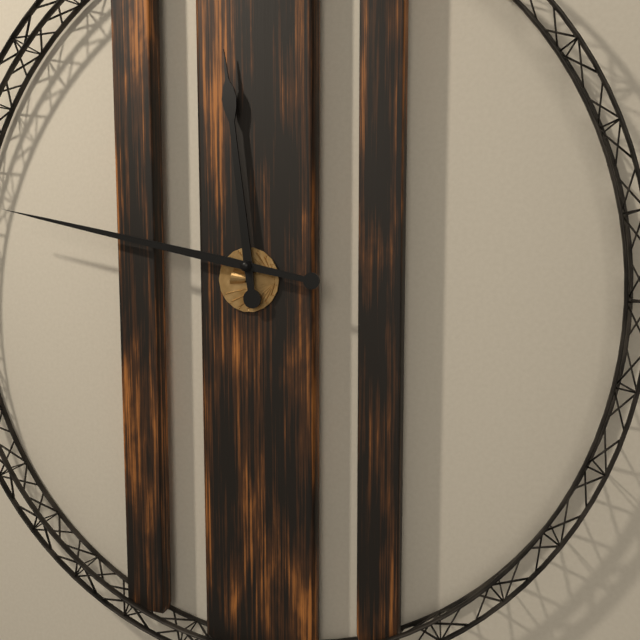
11:47
